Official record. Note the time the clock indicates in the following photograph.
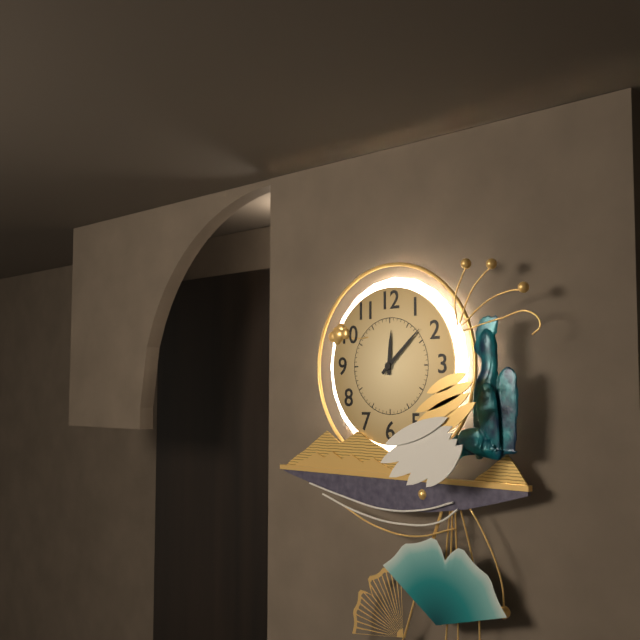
12:08
